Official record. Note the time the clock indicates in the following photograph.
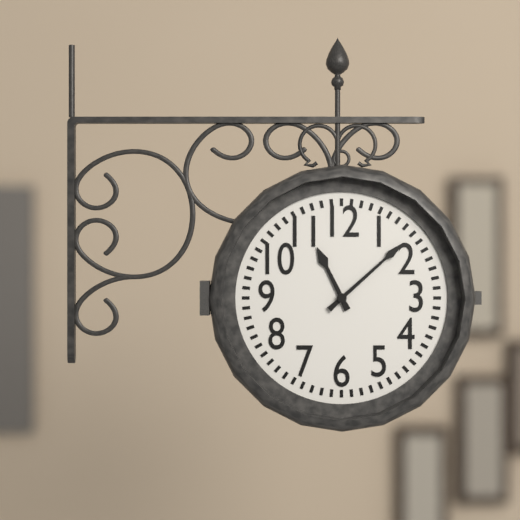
11:08
